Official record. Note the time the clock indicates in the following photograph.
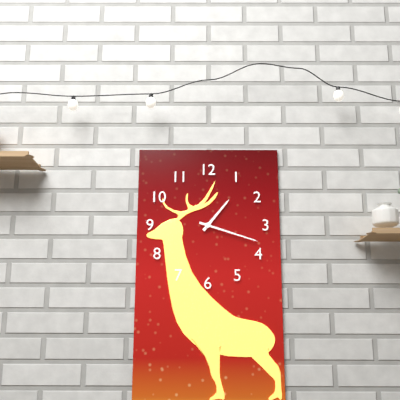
1:18
